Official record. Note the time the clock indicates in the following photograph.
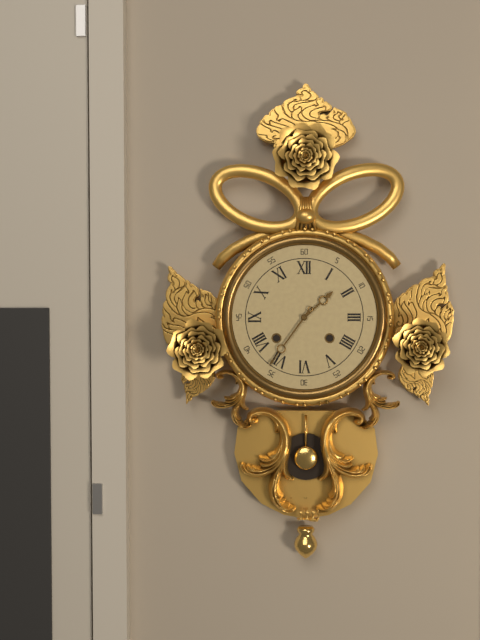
1:36
